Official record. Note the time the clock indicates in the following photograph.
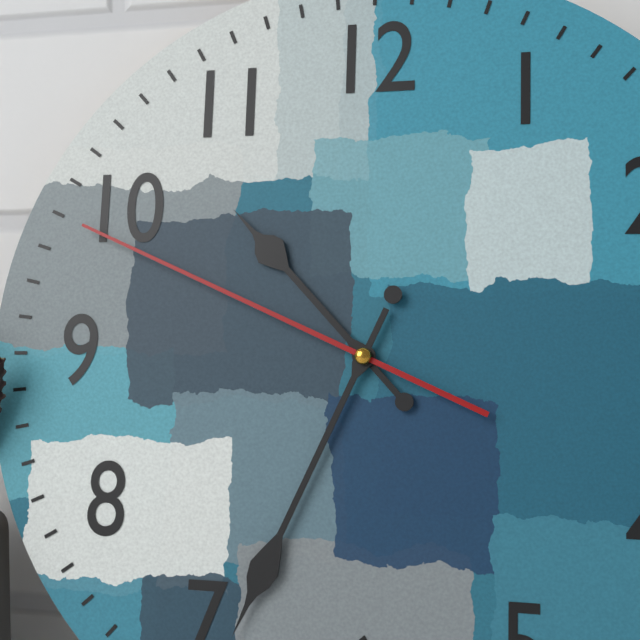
10:34:49
